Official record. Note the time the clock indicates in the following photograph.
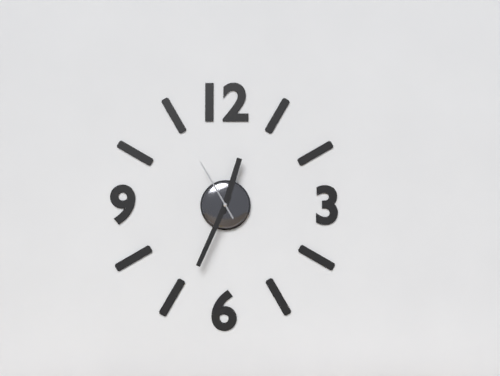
12:34:55
